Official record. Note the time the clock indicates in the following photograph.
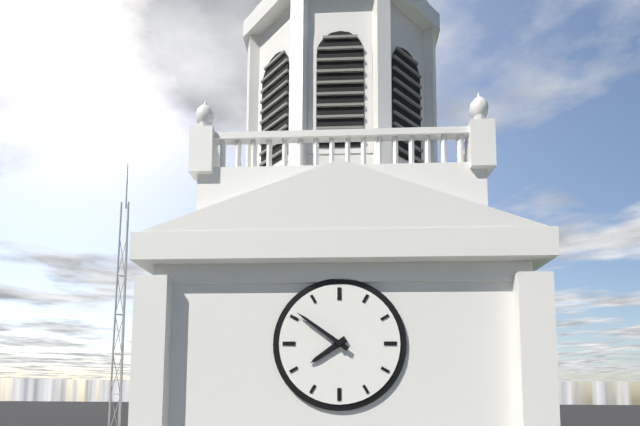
7:51
